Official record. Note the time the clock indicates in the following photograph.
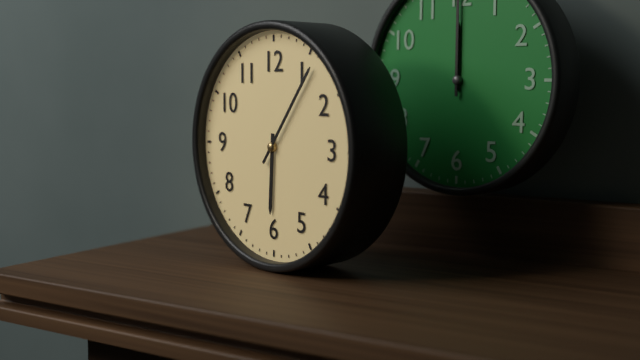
6:06
